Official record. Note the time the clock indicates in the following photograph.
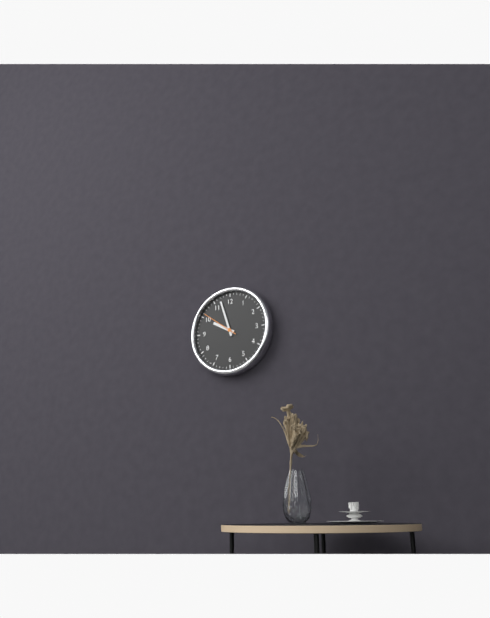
9:57
